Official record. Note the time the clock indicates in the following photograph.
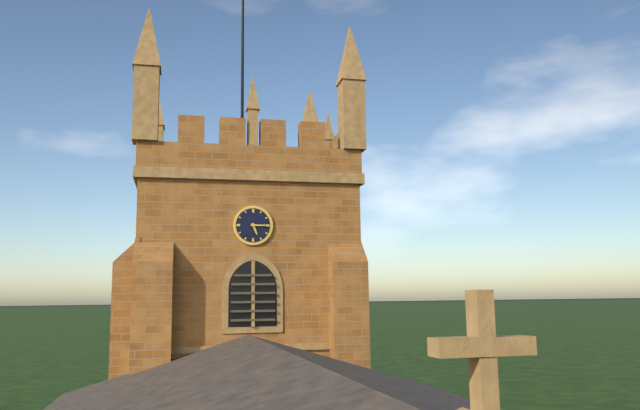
5:15
